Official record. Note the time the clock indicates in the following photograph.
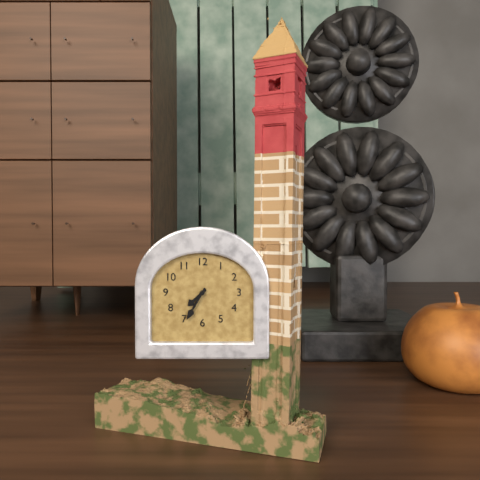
7:35
